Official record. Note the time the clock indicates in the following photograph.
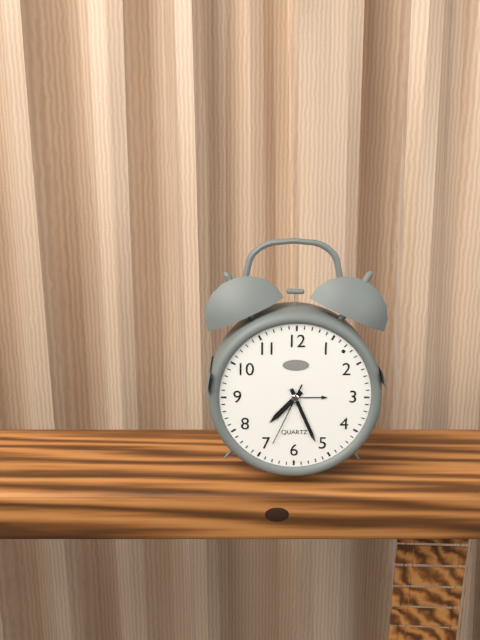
7:26:34
